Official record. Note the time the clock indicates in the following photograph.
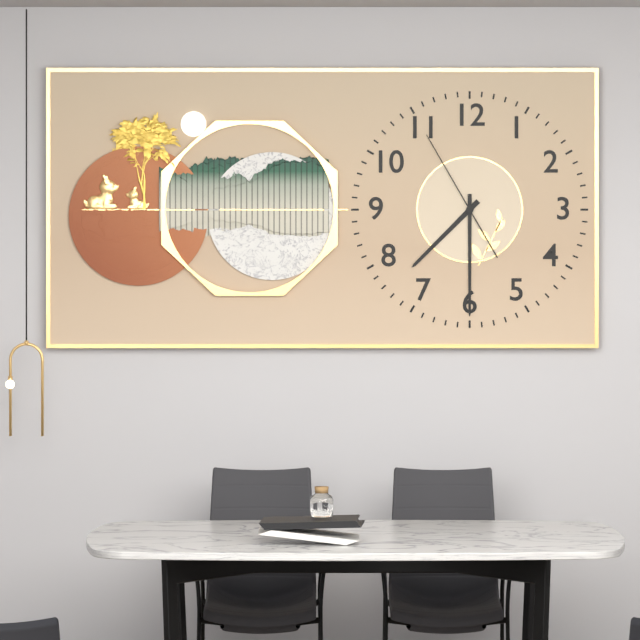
7:30:55
